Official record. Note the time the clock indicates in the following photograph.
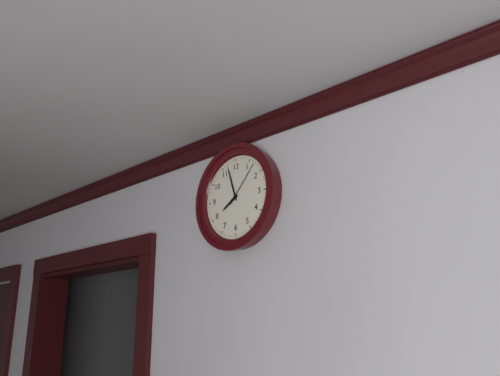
7:57
